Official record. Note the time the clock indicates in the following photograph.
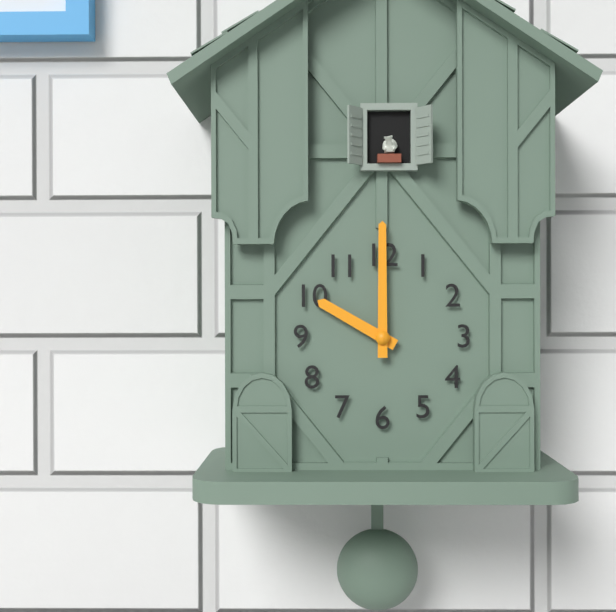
10:00
